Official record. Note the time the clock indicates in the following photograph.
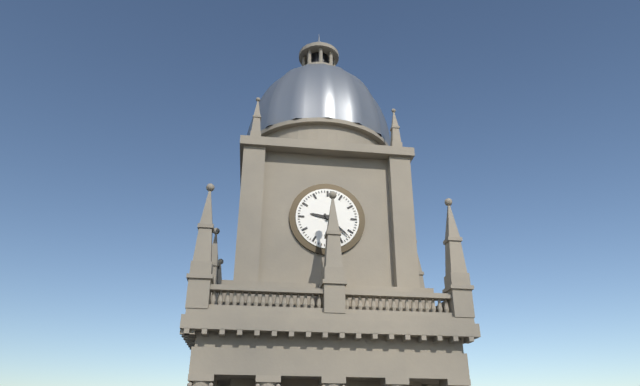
9:22
